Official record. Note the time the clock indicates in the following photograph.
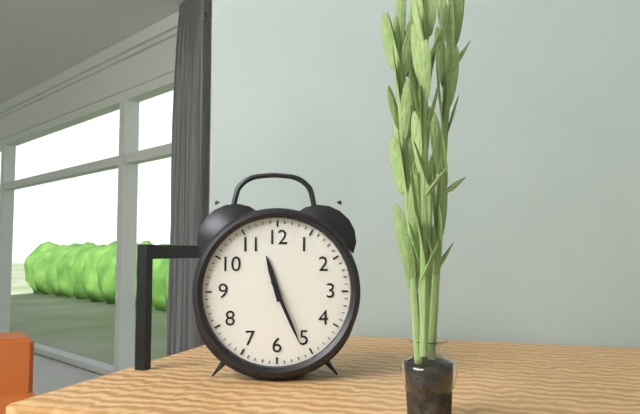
11:26
